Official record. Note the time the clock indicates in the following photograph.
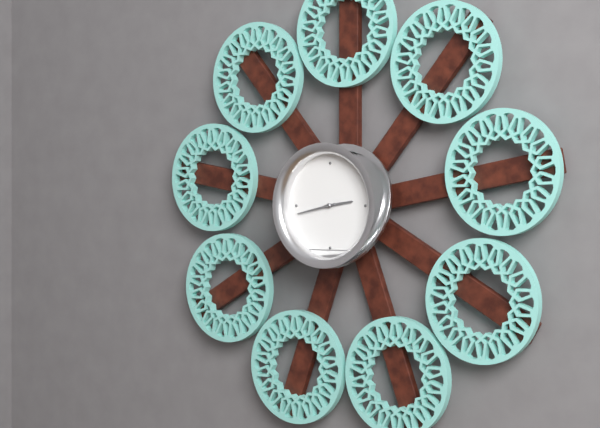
2:43
